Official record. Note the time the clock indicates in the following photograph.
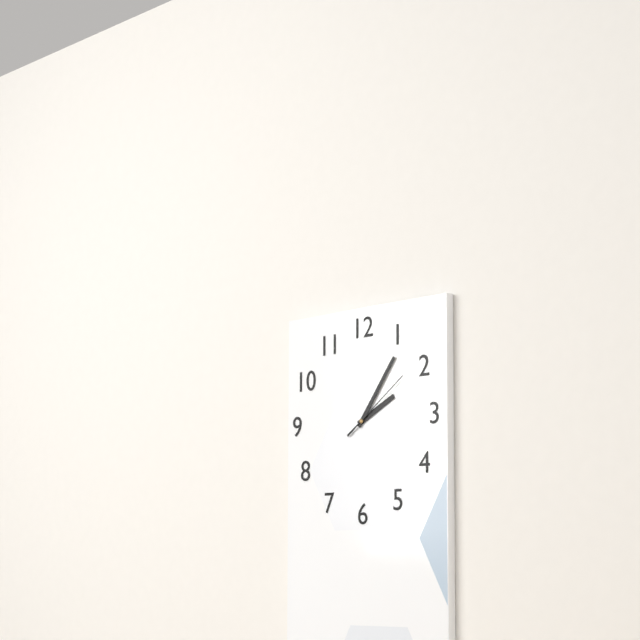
2:06:09
